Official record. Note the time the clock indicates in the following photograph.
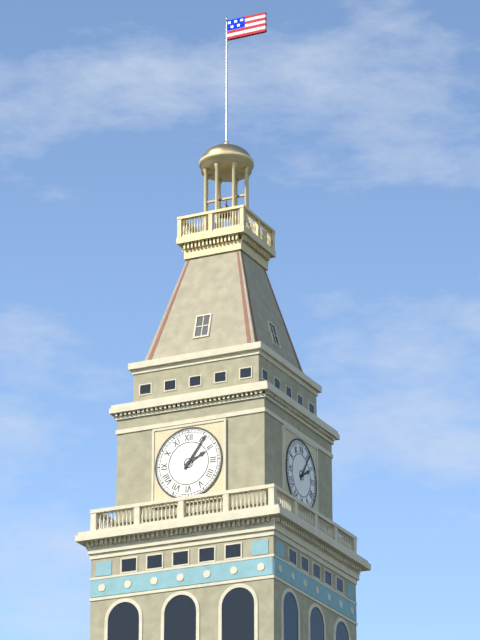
2:06
